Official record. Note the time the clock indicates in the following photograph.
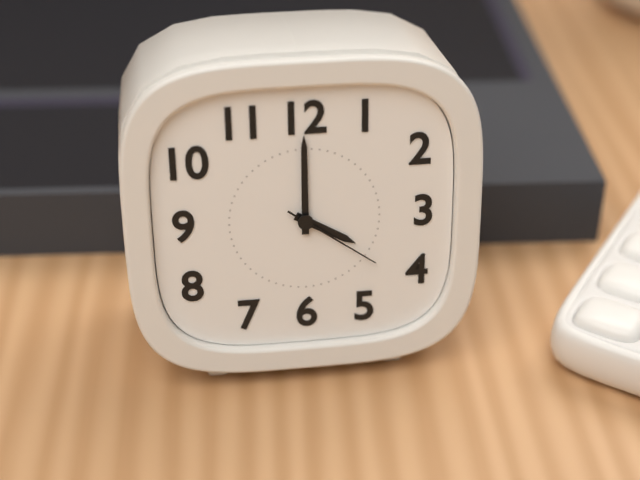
4:00:21
